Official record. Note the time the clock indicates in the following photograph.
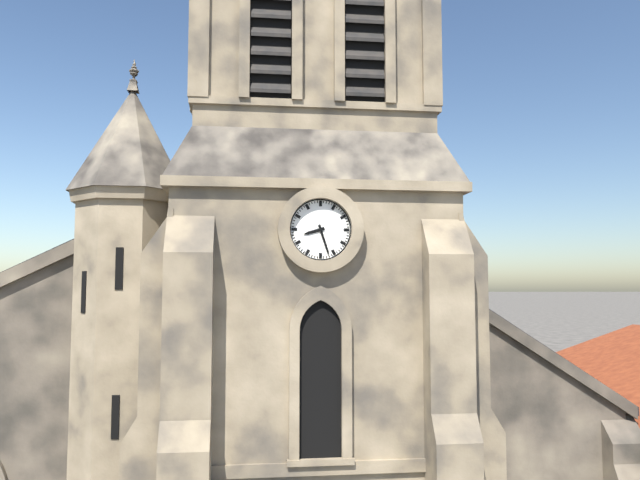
8:27
